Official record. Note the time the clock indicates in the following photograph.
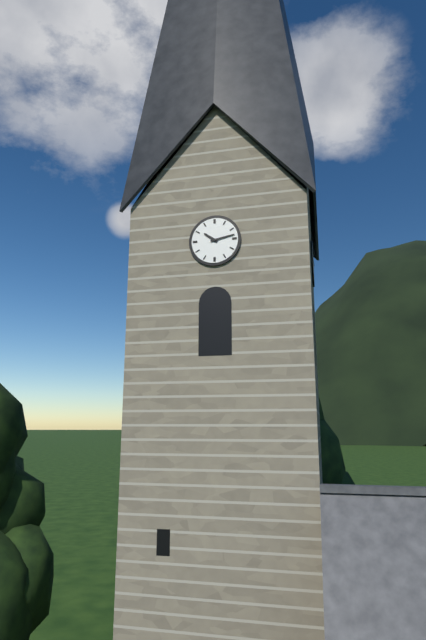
10:13
